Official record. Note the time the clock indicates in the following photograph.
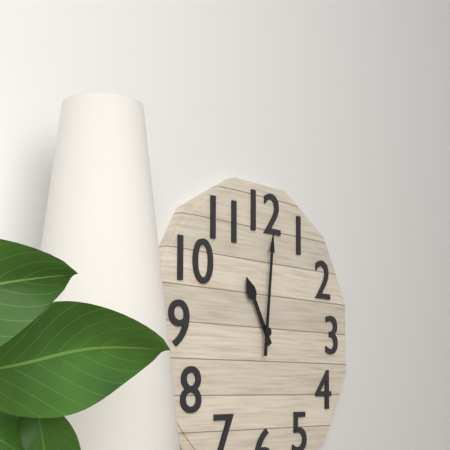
11:01
